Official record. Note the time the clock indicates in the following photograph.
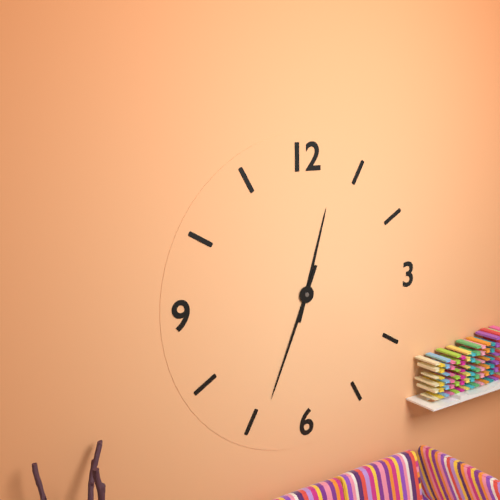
12:34
